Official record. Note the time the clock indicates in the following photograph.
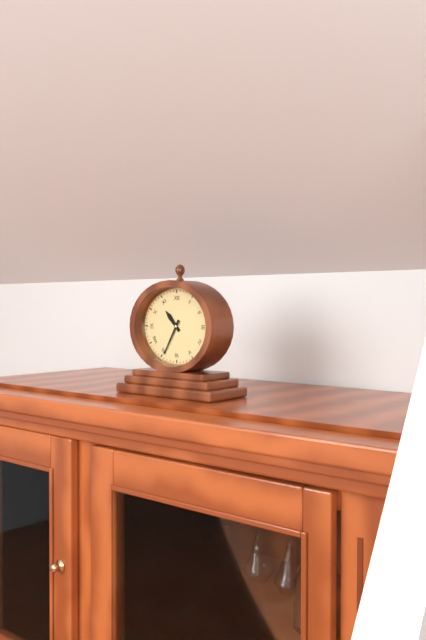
10:35
